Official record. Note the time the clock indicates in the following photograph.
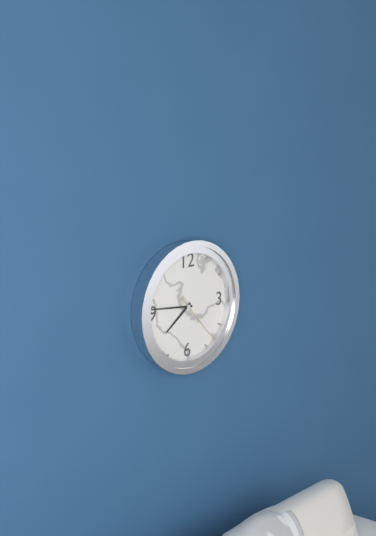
7:46:23
